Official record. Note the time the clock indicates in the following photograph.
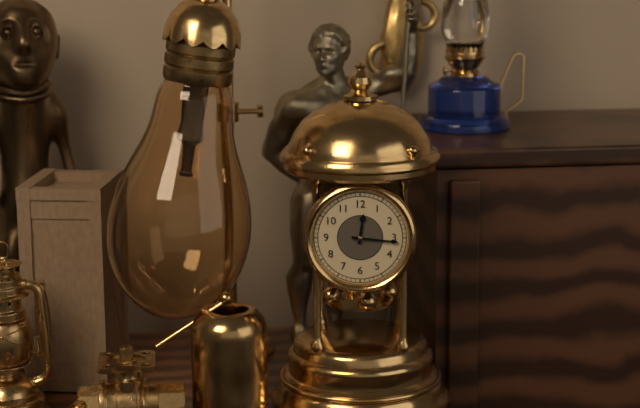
12:16
